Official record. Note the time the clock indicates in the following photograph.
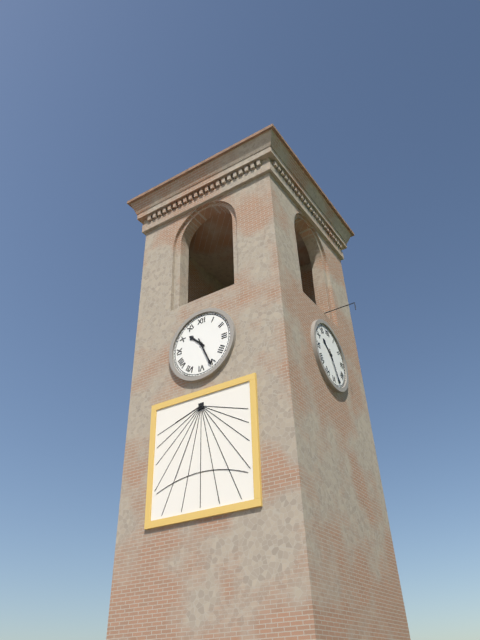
10:26
